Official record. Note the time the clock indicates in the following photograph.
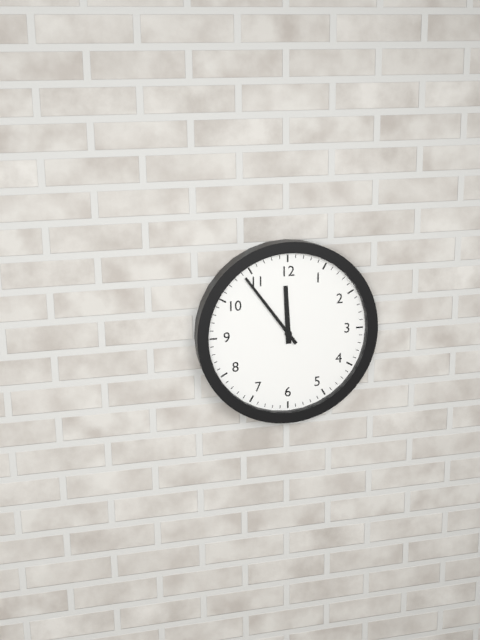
11:54
